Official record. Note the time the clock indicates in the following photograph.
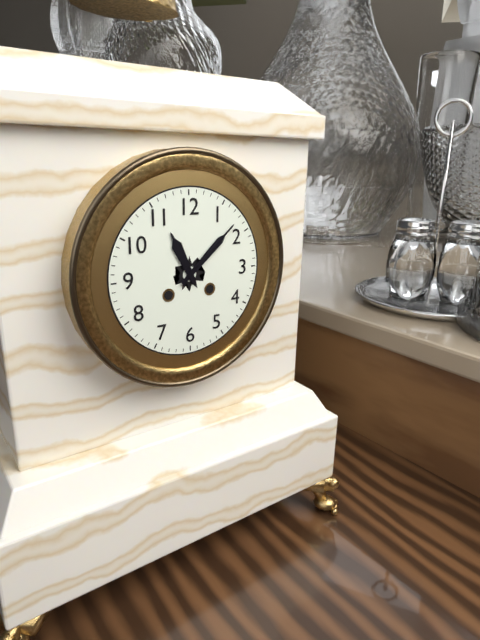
11:08
